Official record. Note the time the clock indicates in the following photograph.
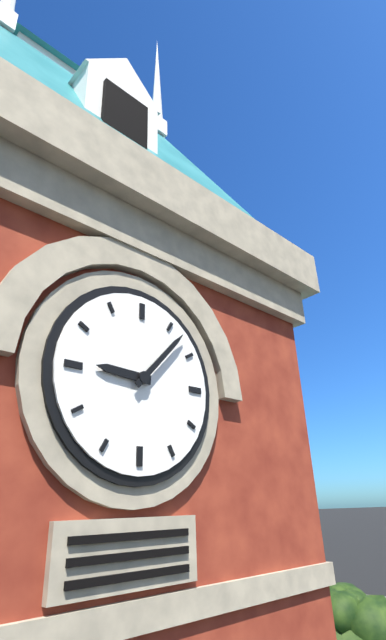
9:07
